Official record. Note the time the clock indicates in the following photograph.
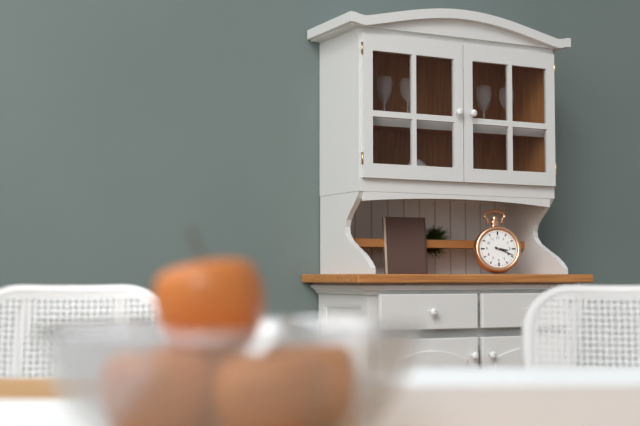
3:19
